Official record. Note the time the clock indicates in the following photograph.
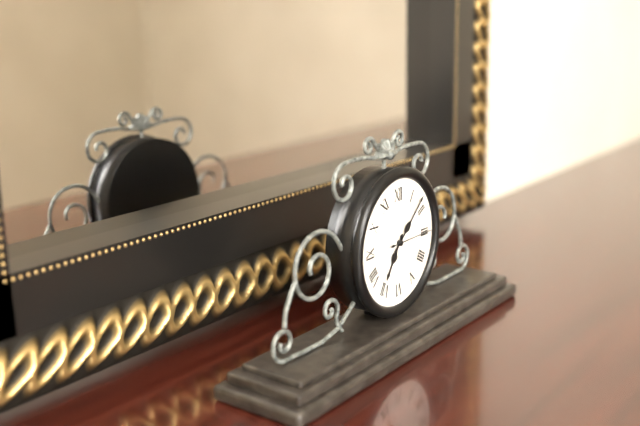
7:08:15
